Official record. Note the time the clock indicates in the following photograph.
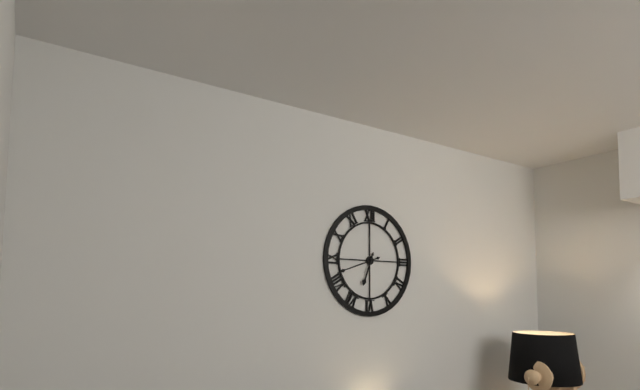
6:42
